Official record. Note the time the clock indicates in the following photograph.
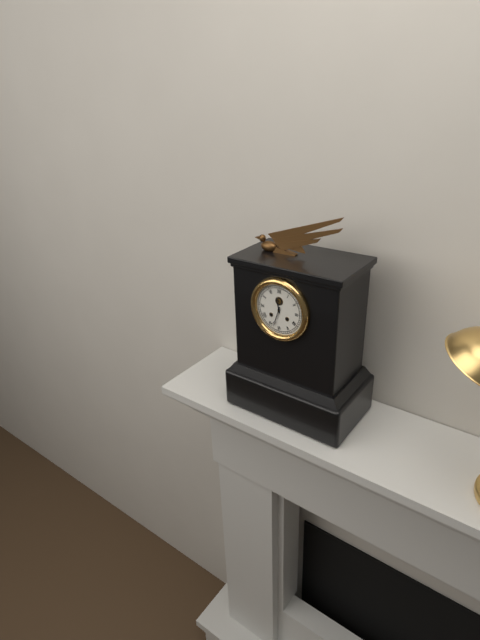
11:33
